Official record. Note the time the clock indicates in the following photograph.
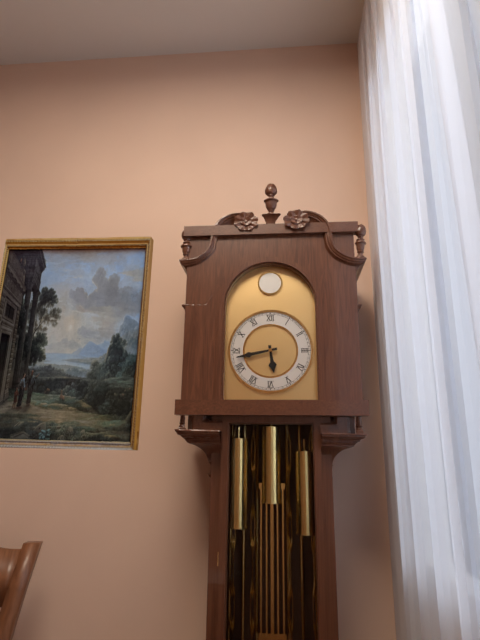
5:43
